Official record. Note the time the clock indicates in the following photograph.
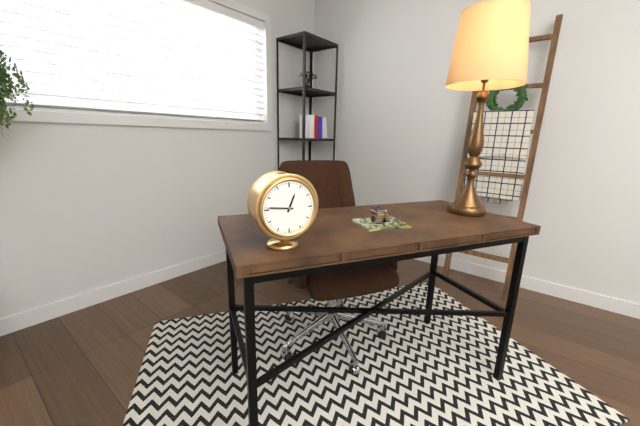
12:46
